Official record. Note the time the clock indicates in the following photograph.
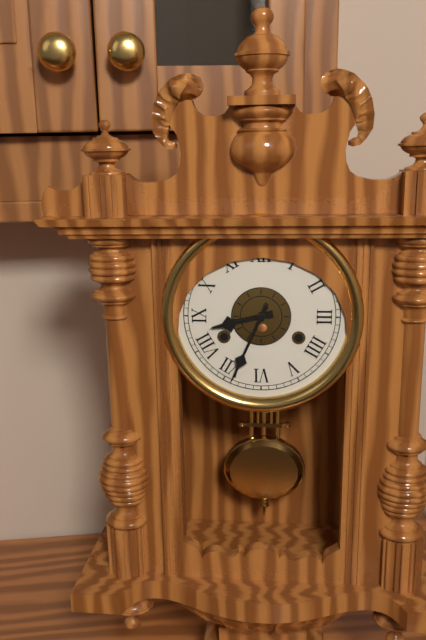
8:34
